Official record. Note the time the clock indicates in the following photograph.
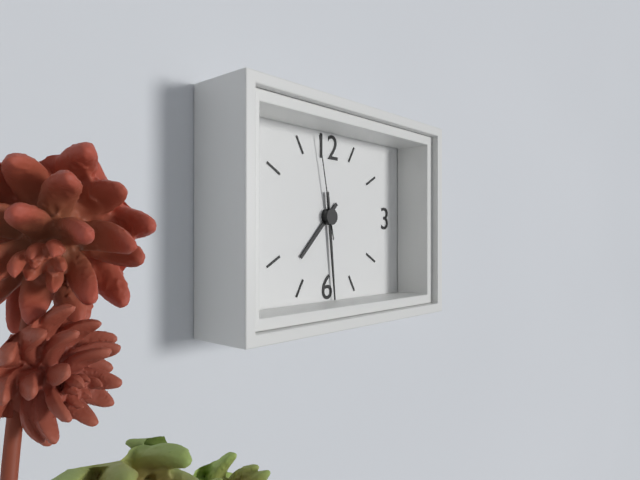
7:29:58
